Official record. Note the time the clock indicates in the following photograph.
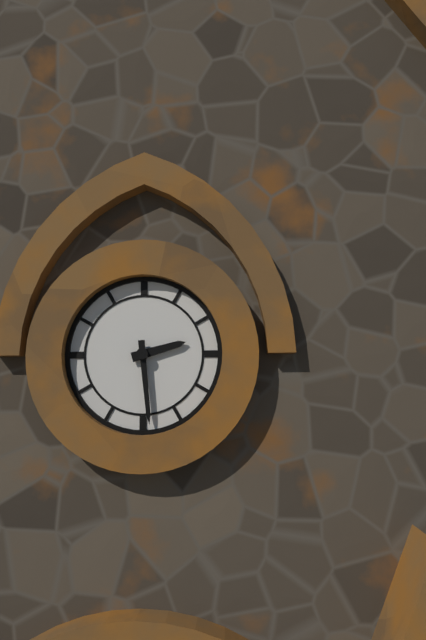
2:29
